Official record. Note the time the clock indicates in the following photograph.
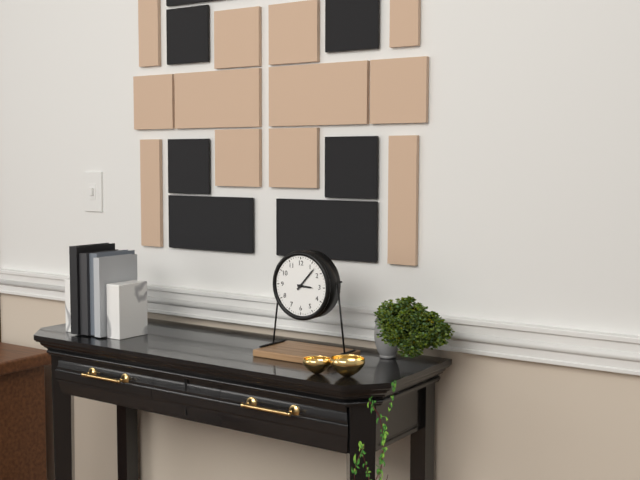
3:07
